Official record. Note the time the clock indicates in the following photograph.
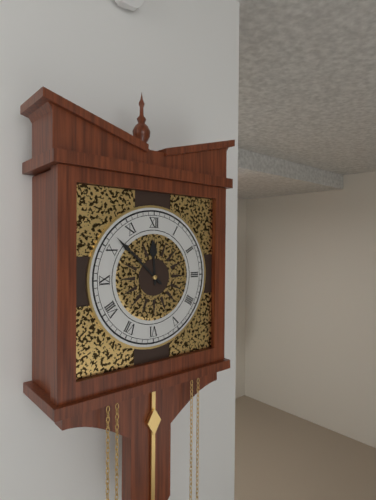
11:52
